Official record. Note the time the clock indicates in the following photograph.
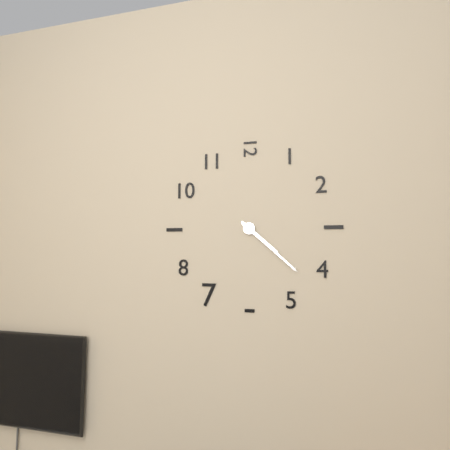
4:22
